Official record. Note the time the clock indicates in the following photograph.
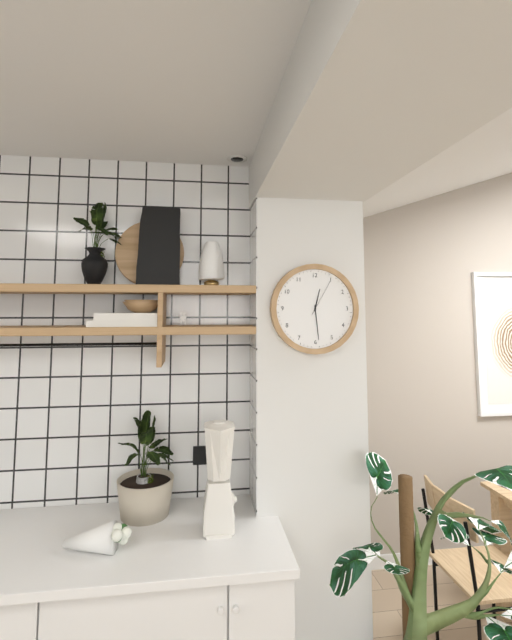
12:29
